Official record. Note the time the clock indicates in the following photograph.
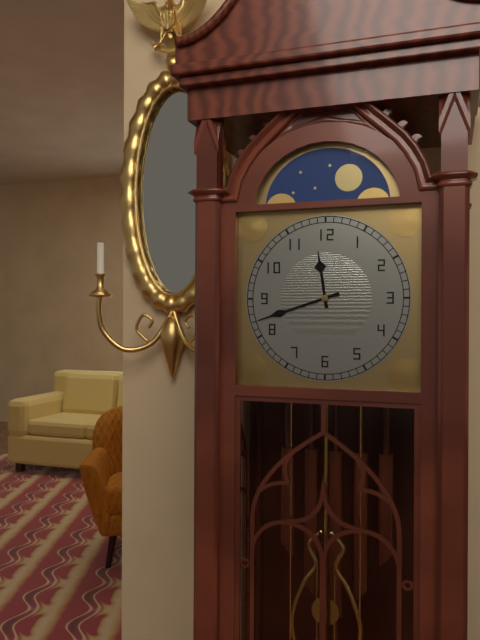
11:42
